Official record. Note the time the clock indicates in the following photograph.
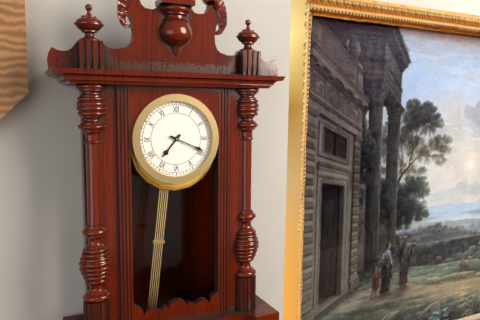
7:19
